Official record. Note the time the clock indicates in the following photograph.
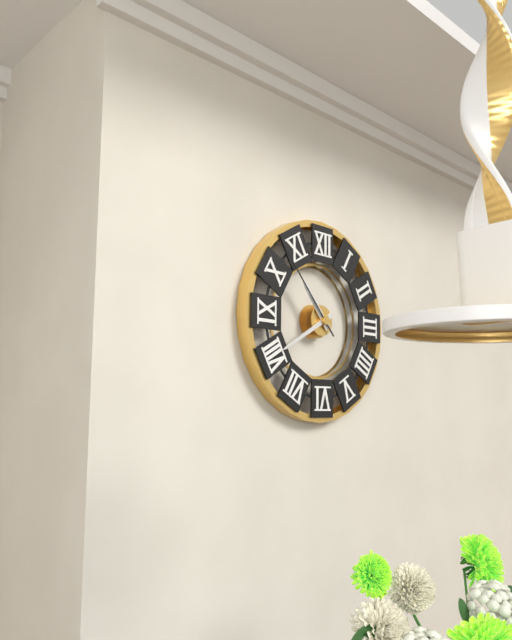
10:40:53
